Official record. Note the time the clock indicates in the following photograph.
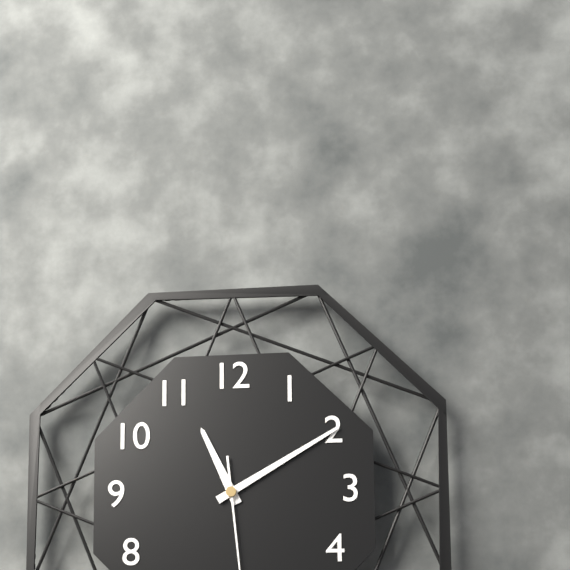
11:10
